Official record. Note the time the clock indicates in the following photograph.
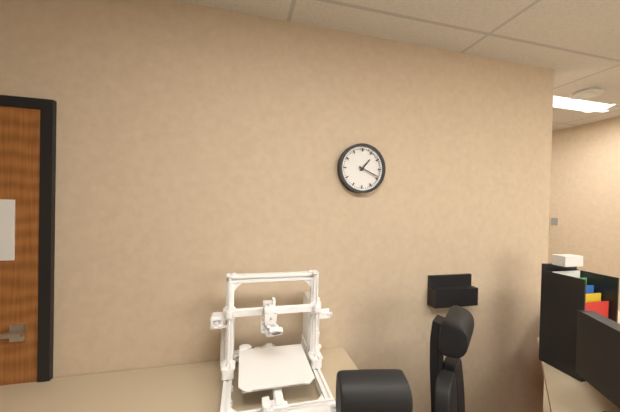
1:19
